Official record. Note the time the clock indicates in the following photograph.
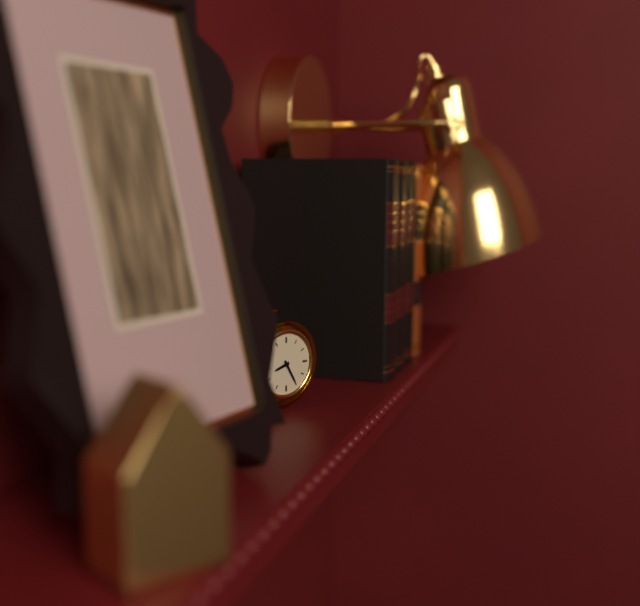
8:25
